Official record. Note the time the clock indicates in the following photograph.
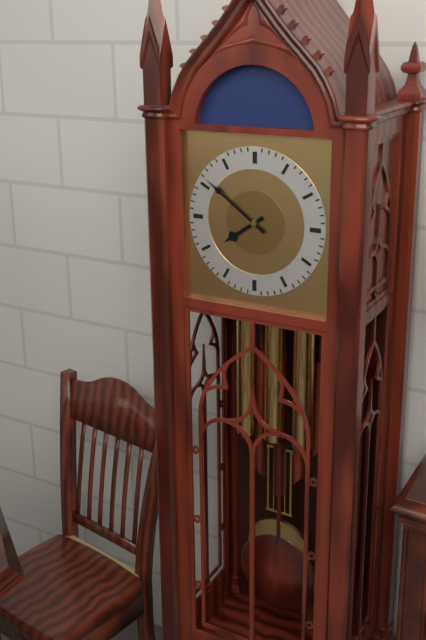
7:51
